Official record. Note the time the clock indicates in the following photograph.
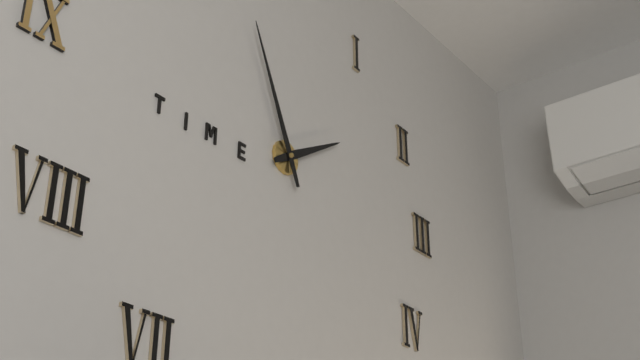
1:56
